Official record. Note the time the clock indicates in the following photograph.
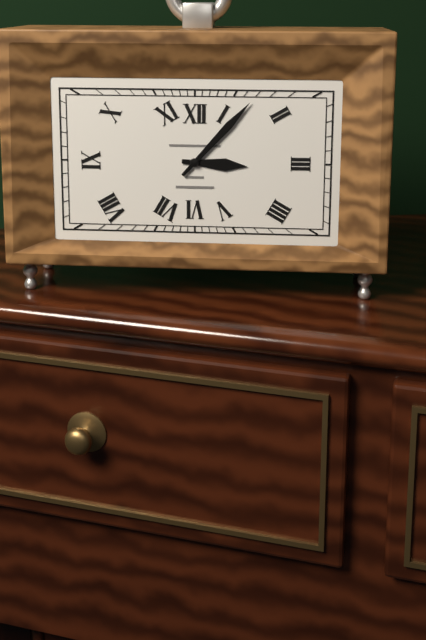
3:07
